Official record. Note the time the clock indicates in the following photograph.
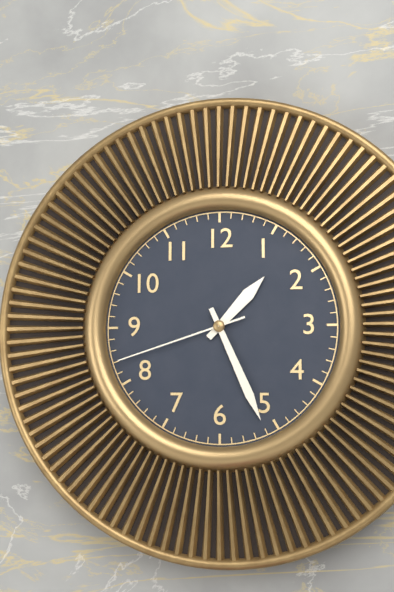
1:26:42
